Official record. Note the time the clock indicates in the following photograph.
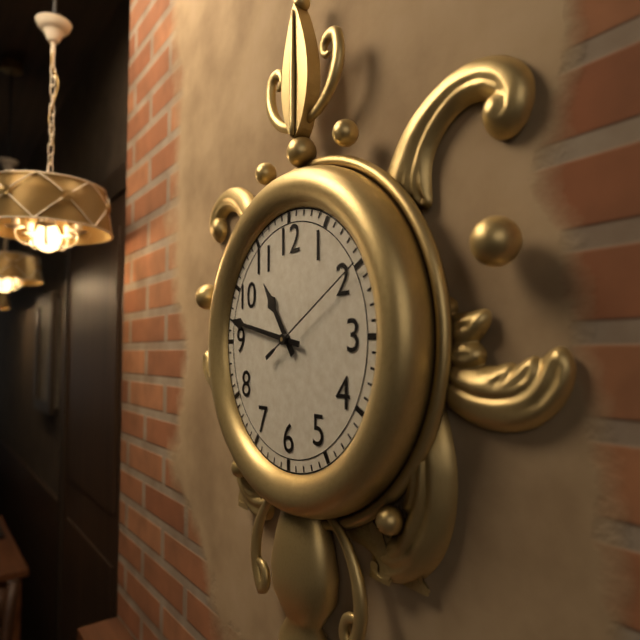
10:47:10
